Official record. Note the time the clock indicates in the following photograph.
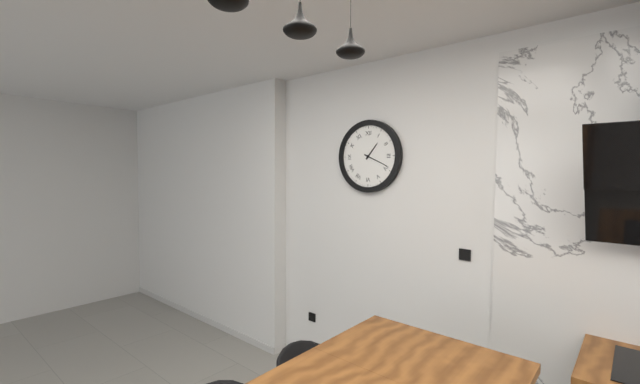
1:19
